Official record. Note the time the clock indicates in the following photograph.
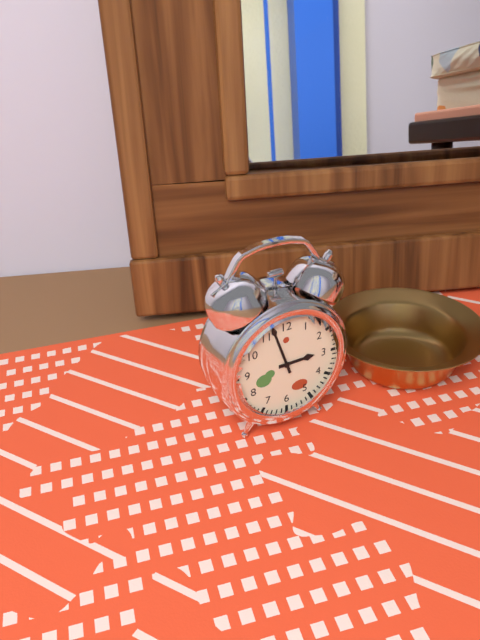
2:57
